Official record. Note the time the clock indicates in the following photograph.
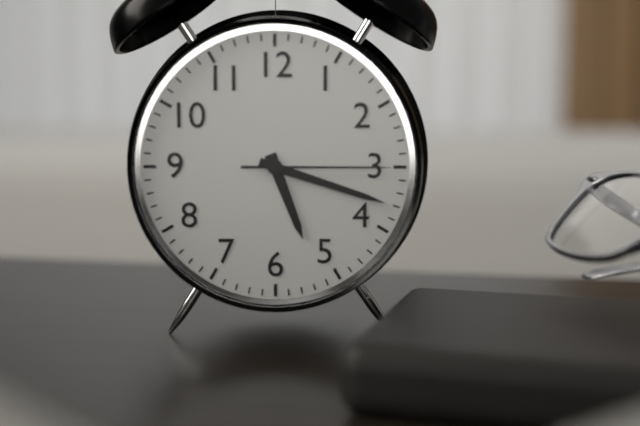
5:18:15
